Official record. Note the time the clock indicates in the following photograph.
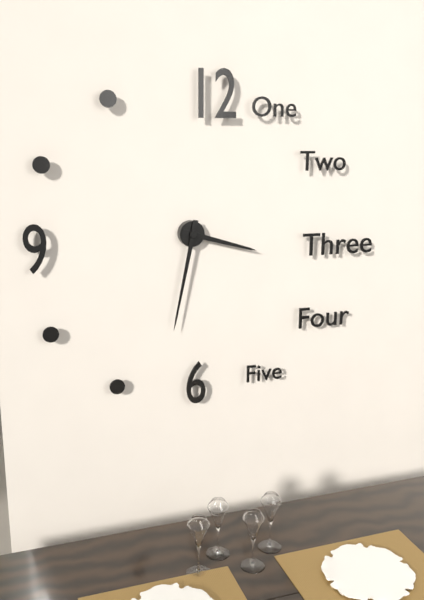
3:32
